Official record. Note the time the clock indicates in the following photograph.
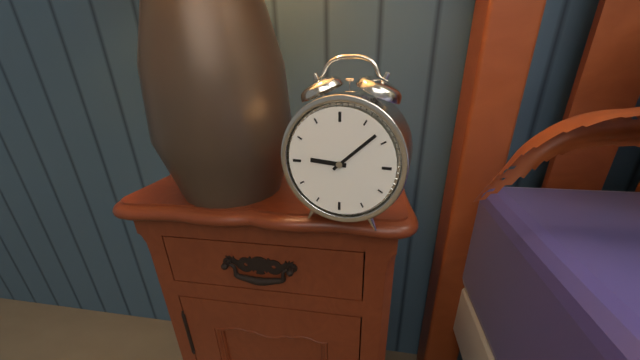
9:08
